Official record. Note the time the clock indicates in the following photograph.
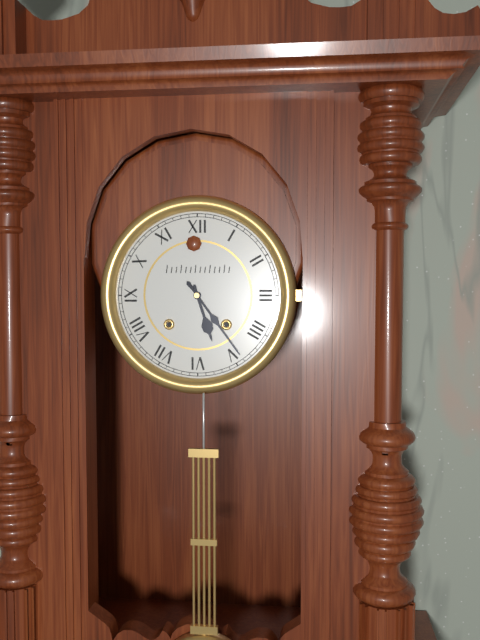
5:24
